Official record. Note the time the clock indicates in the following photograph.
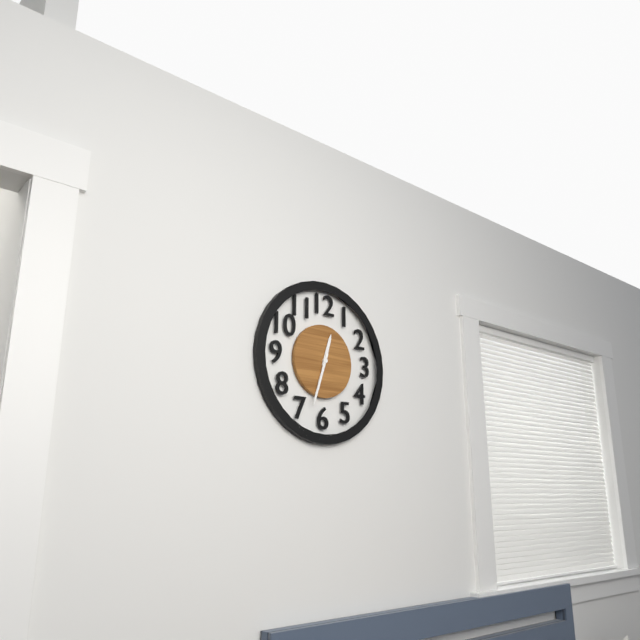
12:33
